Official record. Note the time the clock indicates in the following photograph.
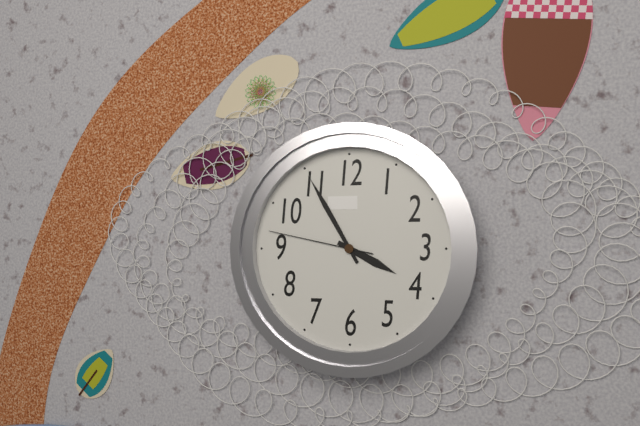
3:55:47
